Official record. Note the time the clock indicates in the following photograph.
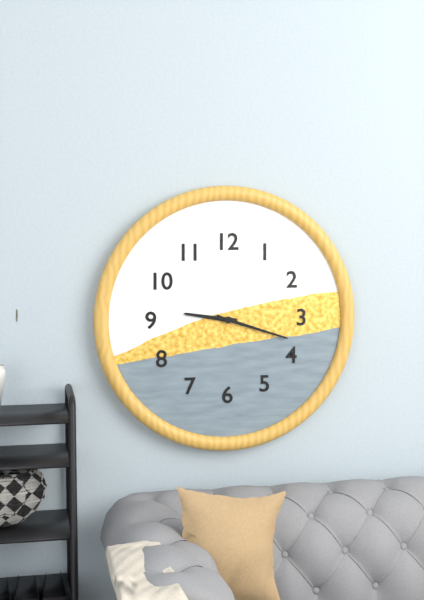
9:18
